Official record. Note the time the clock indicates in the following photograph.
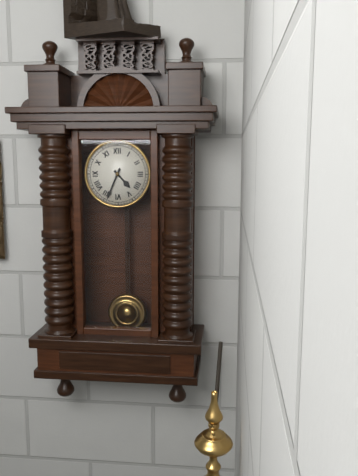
4:34
